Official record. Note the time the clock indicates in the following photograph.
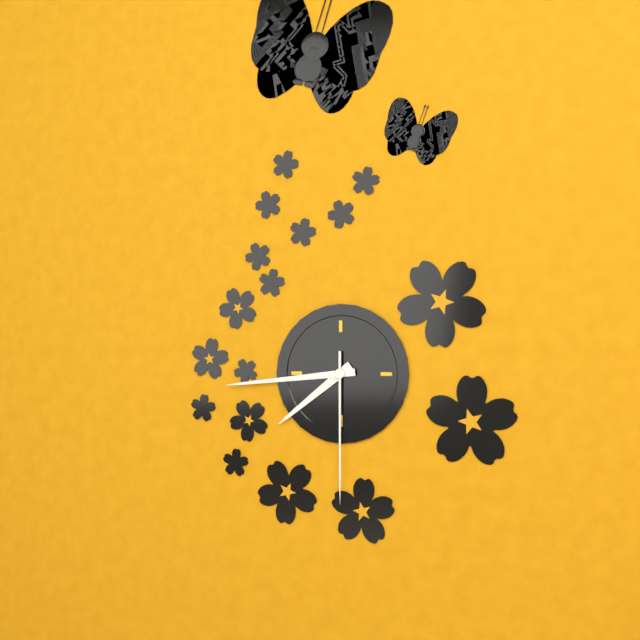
7:44:30
